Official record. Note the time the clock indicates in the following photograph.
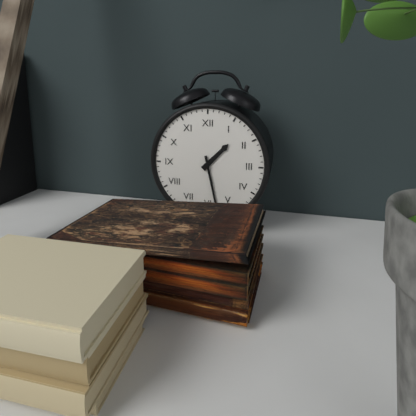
1:28
